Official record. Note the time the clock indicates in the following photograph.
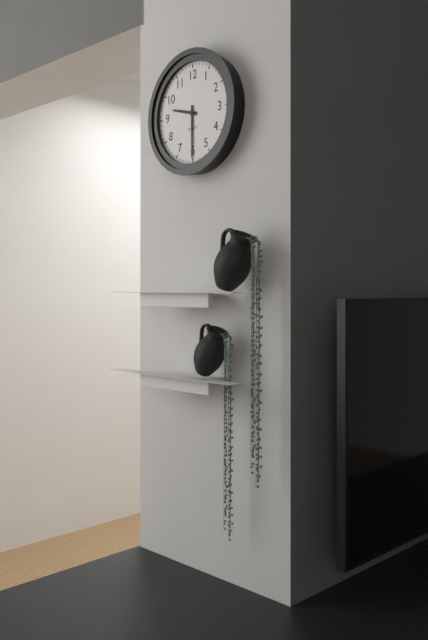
9:30
